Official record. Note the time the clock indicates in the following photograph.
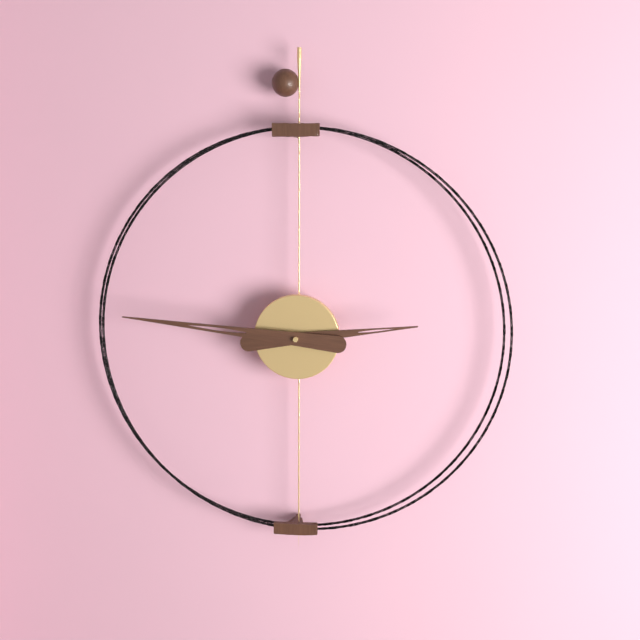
2:46
